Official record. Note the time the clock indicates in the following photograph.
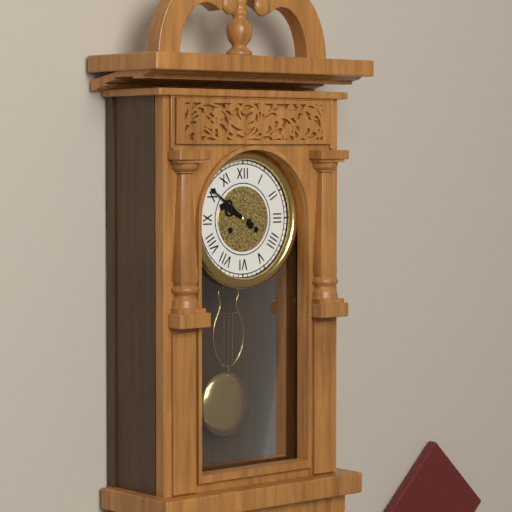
9:51
